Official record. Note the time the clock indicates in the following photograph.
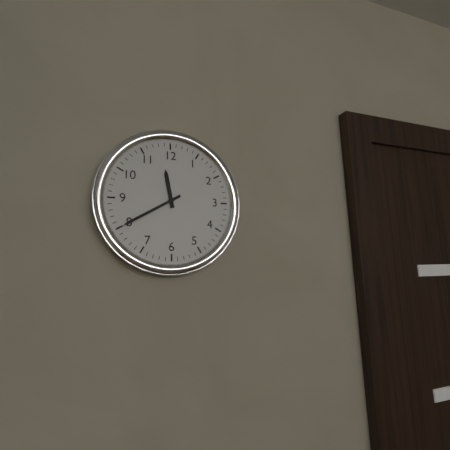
11:40
